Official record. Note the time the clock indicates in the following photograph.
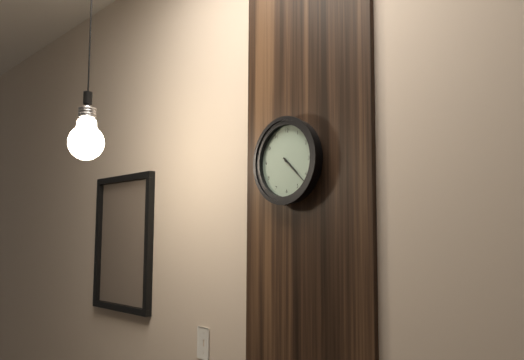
4:22
